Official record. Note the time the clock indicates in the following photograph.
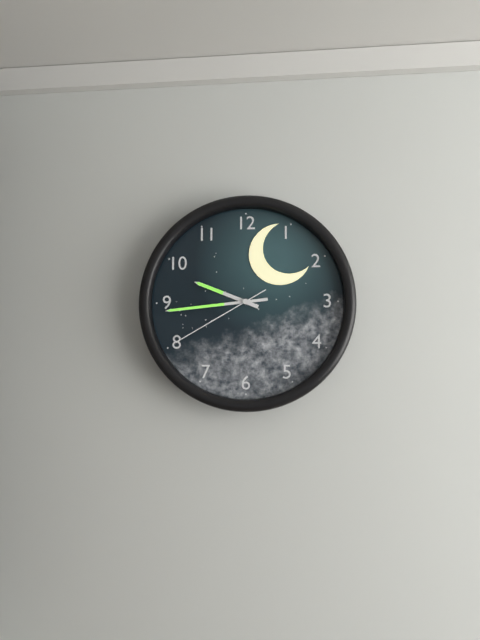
9:44:40
